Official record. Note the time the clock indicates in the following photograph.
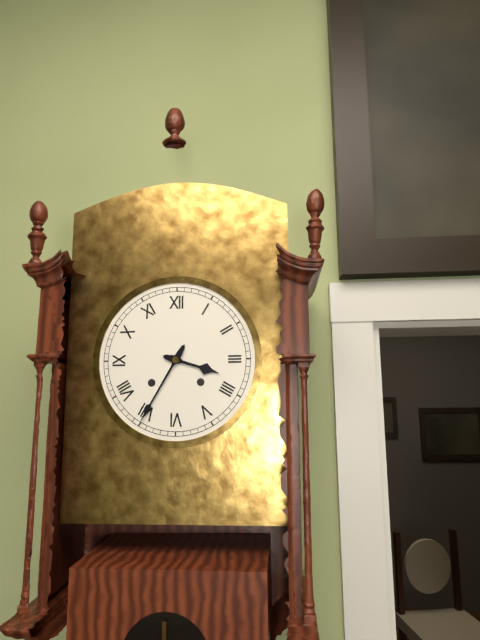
3:35
